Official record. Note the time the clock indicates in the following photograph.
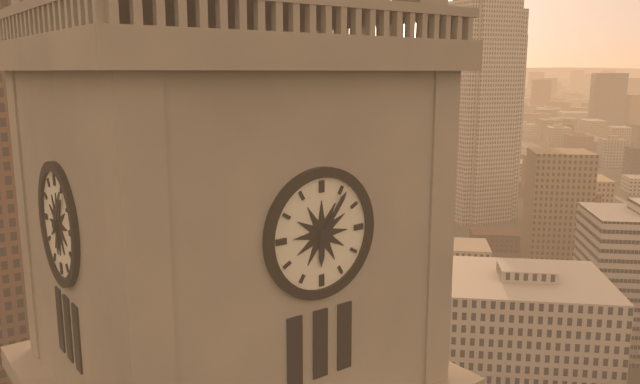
6:06
